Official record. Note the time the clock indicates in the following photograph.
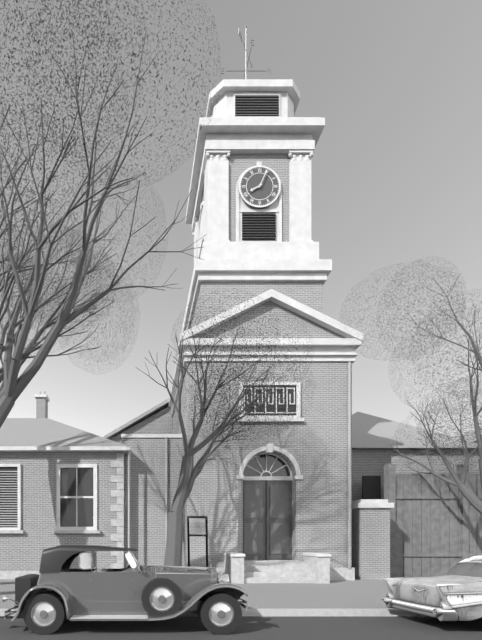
8:04
